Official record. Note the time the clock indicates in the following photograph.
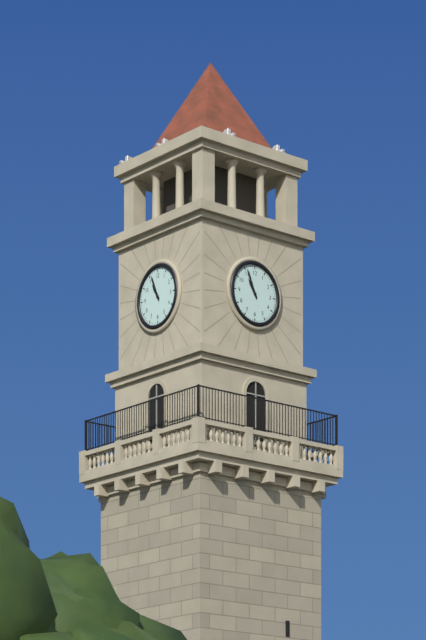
10:56
